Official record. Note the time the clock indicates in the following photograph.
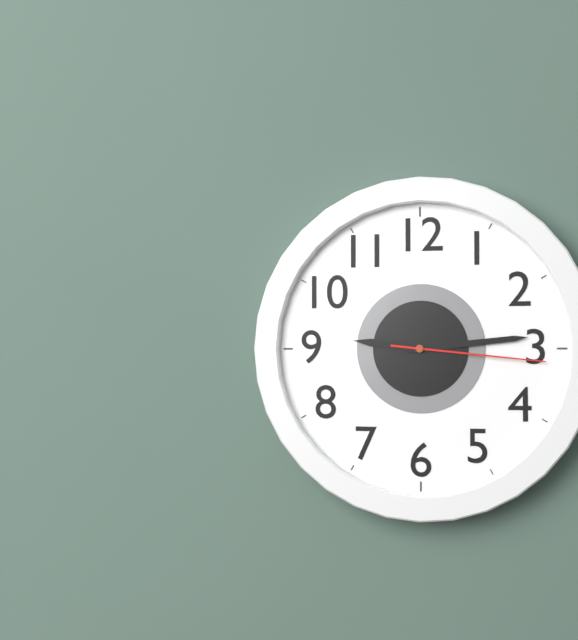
9:14:16
